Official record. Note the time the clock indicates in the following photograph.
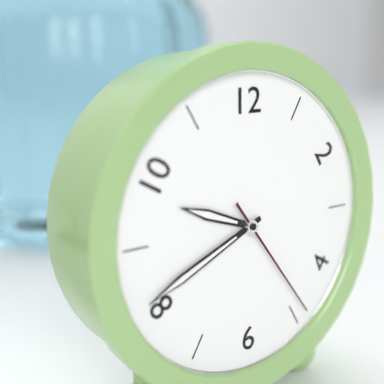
9:41:24
